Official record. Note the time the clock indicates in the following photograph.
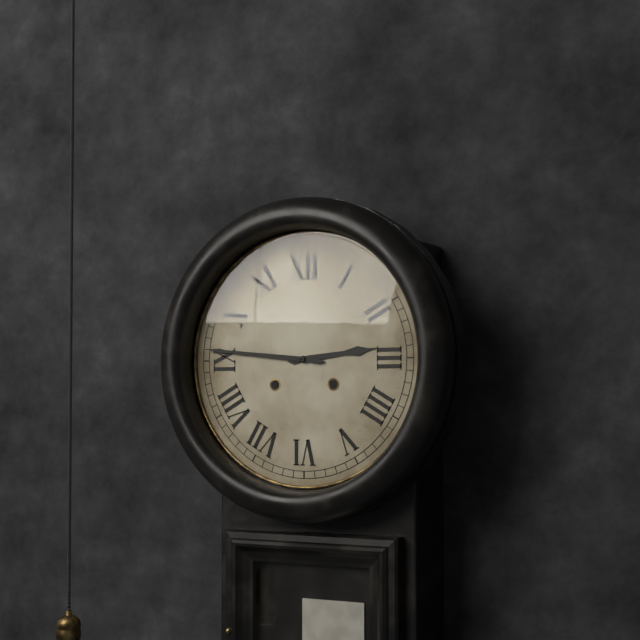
2:46
